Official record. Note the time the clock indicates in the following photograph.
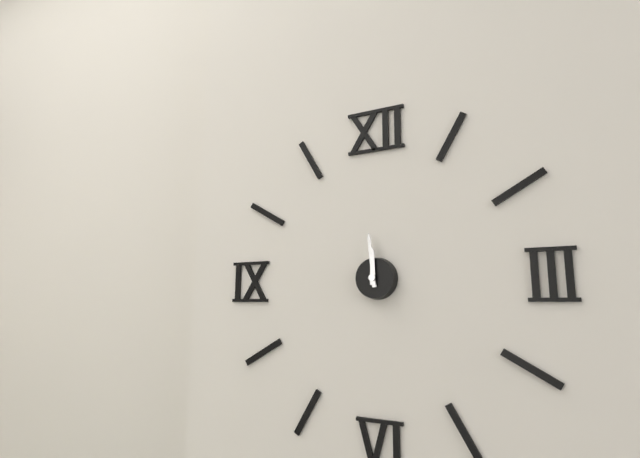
11:59
